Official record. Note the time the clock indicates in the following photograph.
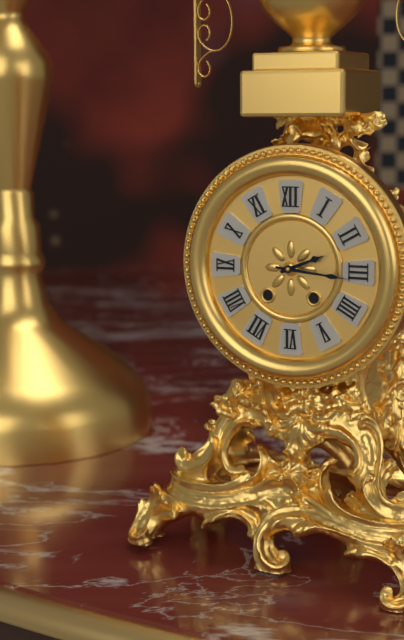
2:16
